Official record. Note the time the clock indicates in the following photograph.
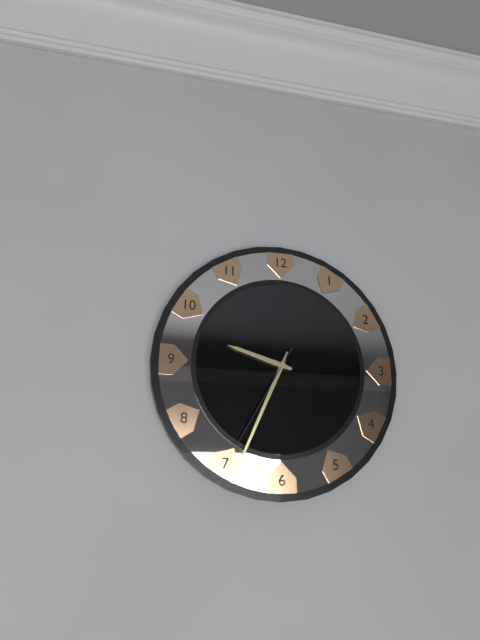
9:34:35
